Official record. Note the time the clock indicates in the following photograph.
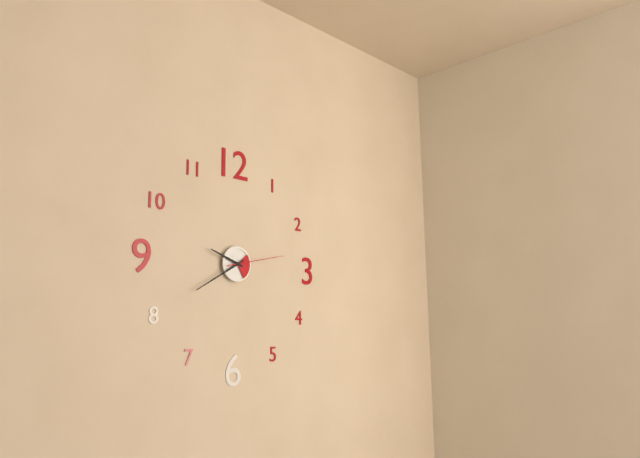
9:40:13
